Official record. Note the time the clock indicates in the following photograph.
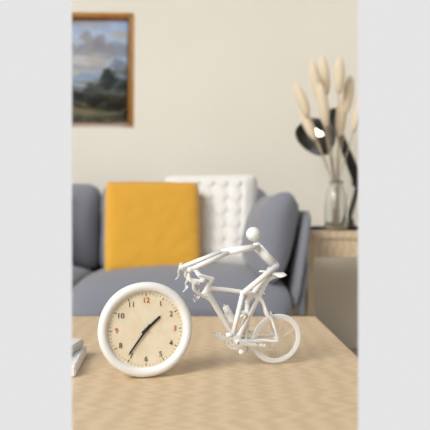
1:36
